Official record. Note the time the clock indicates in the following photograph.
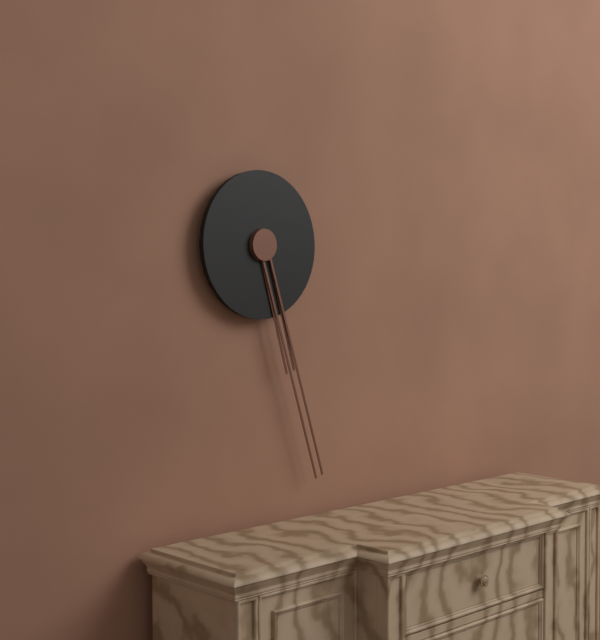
5:27
